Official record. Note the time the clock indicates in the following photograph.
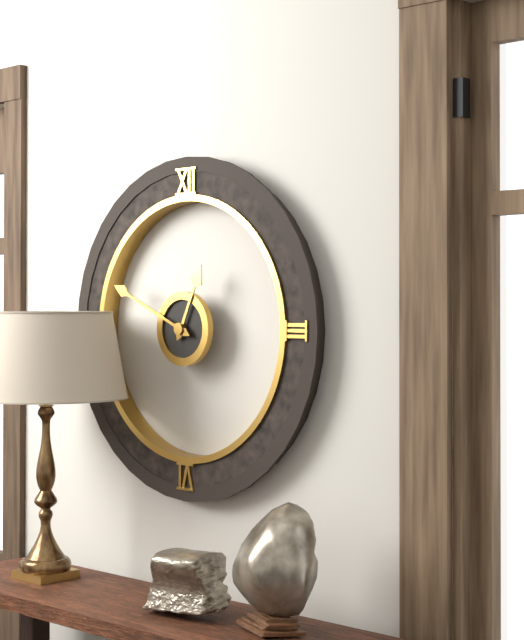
12:49
